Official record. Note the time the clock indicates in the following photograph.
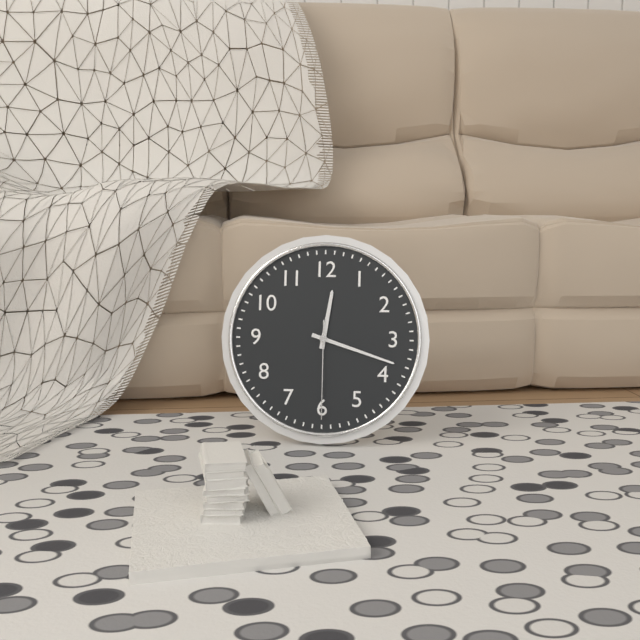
12:18:30
